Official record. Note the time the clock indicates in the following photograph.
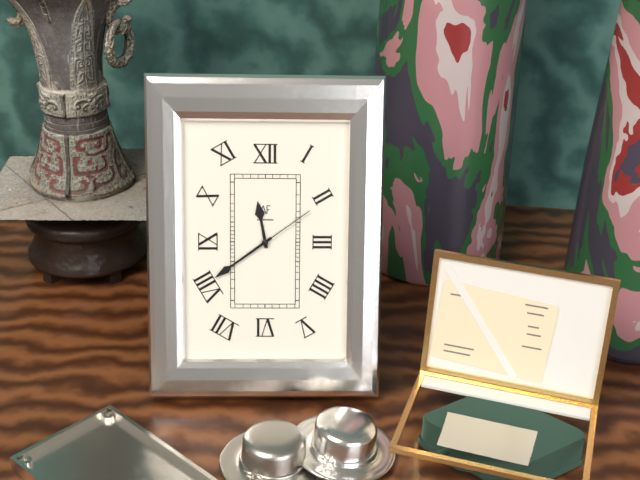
11:39:09
